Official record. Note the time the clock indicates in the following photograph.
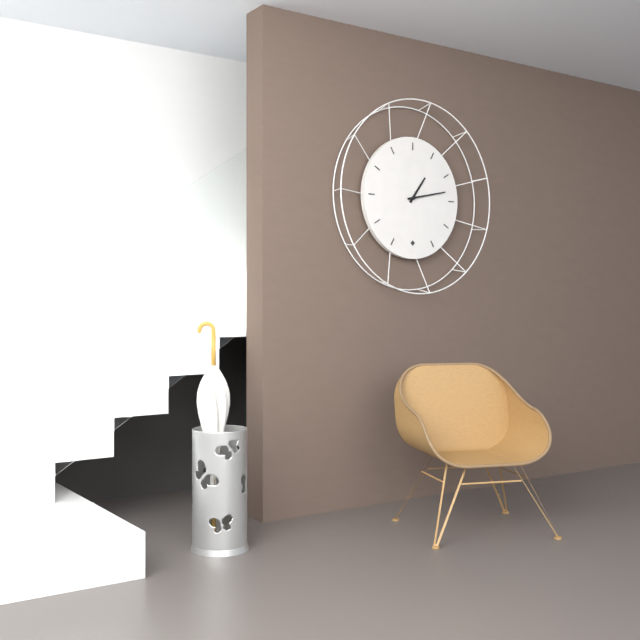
1:13
